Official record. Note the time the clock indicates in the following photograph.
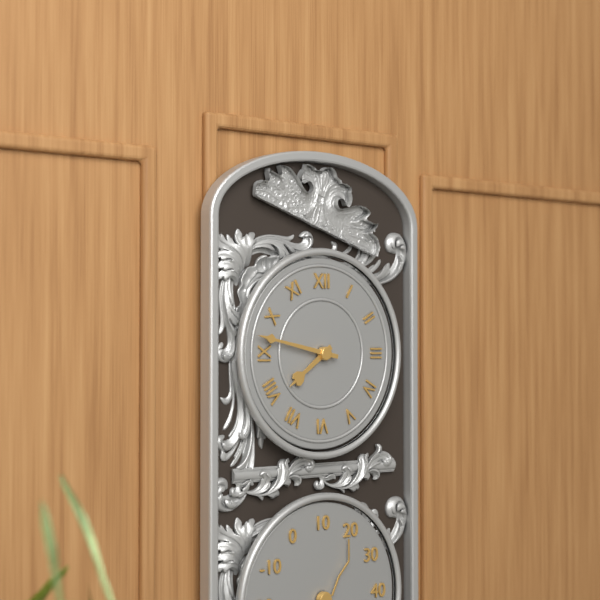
7:47
